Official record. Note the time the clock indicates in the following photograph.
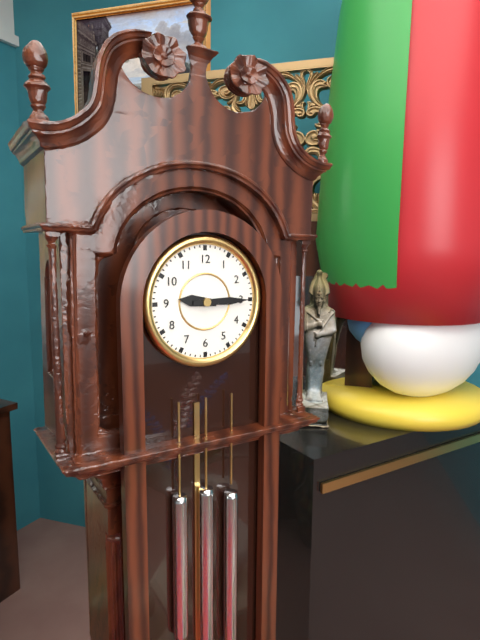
9:15
